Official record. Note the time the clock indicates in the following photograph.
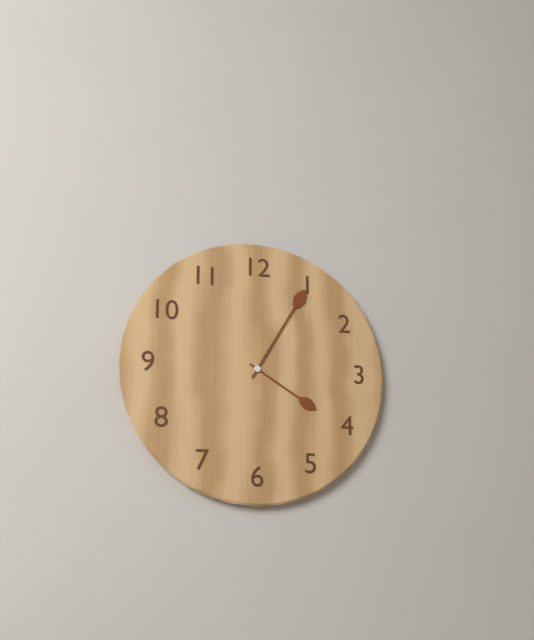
4:05
